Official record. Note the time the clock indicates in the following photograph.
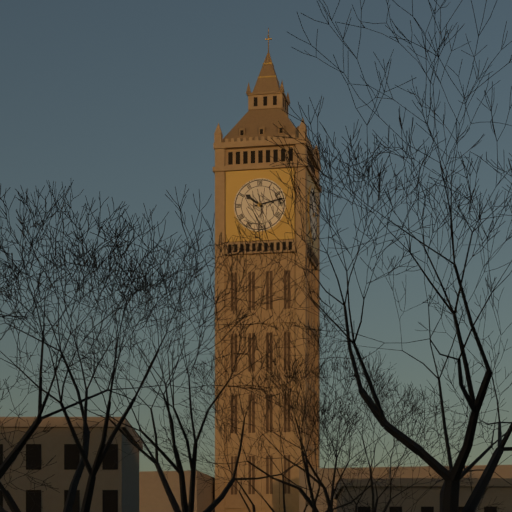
10:13
